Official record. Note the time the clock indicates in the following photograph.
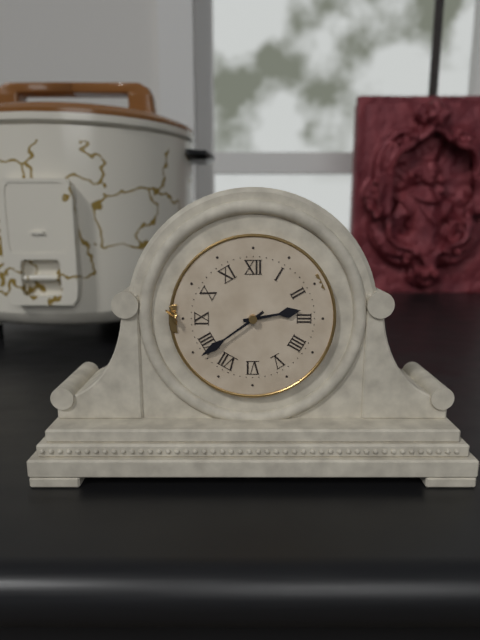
2:39
